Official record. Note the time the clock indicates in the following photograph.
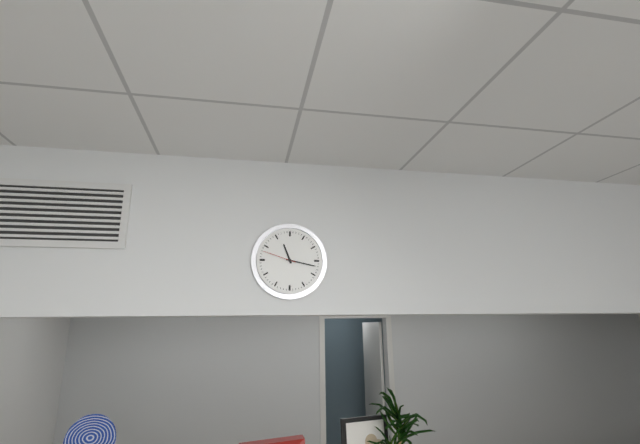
11:17
